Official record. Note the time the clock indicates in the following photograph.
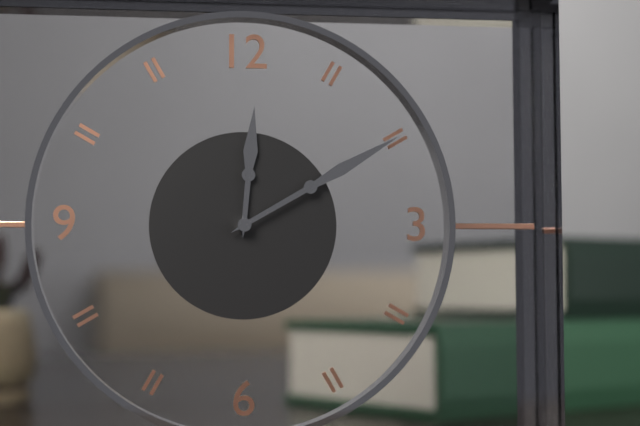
12:10
